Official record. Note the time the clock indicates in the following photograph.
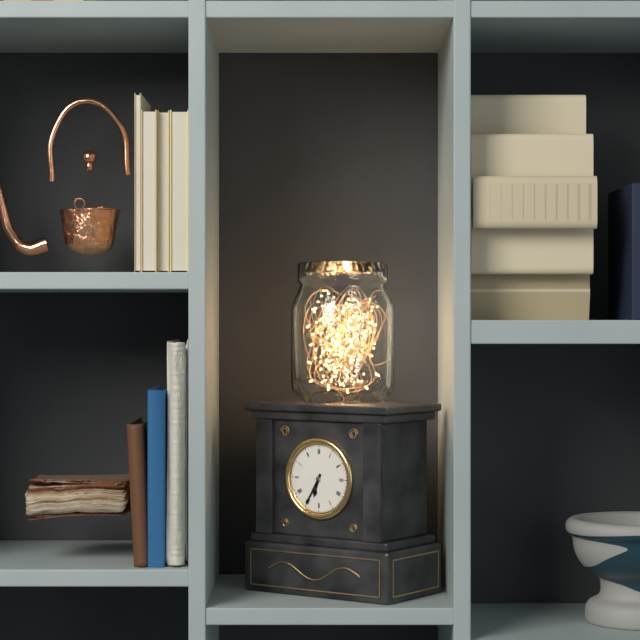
6:35
